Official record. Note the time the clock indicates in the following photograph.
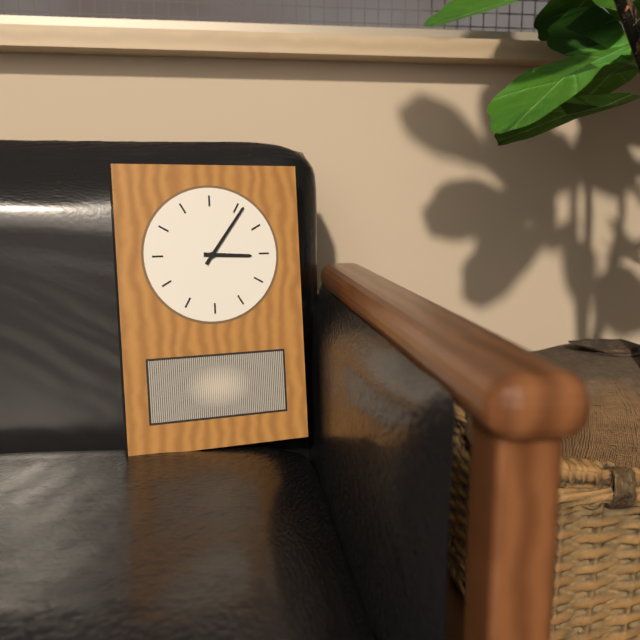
3:06
